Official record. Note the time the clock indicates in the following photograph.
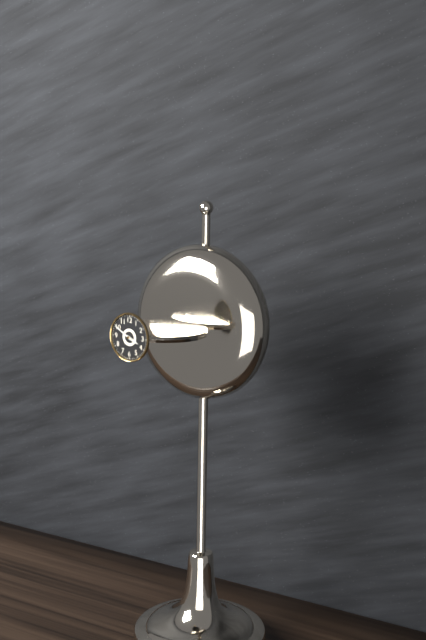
3:50
